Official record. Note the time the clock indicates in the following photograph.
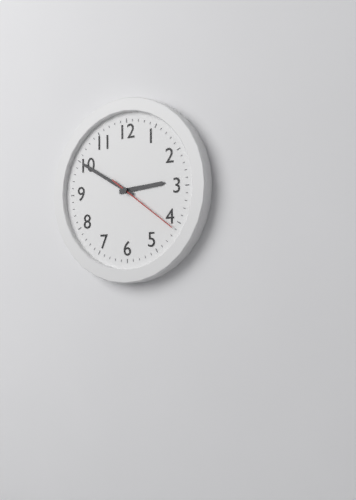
2:50:21
